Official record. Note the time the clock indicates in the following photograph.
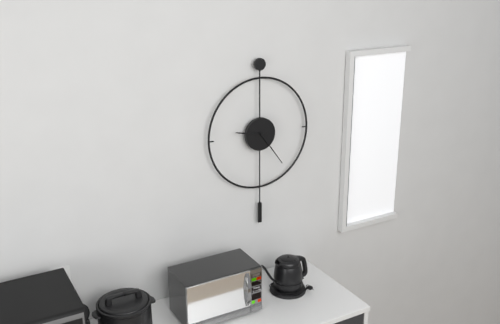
9:24
